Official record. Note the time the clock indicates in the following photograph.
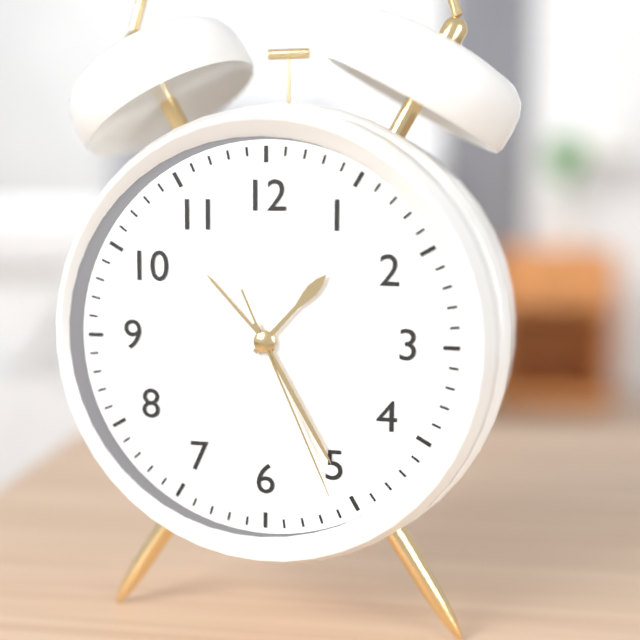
1:25:26
